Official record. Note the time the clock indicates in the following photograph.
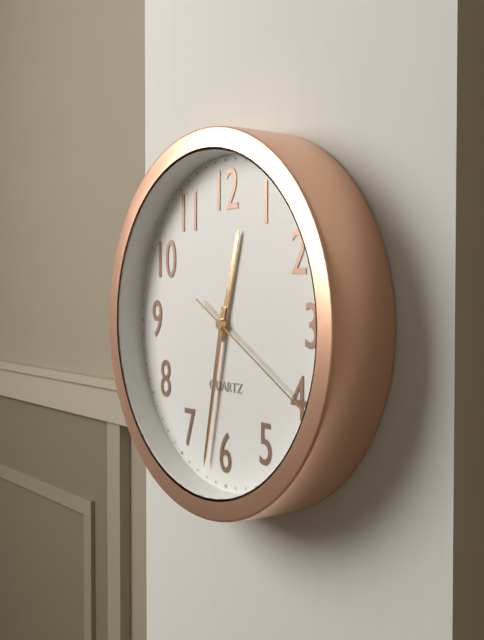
12:32:20
